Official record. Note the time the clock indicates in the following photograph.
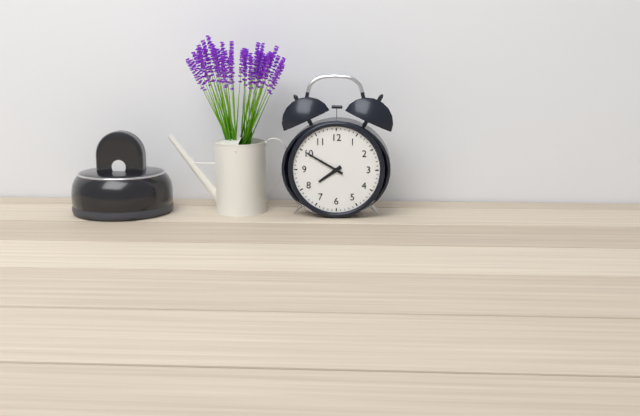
7:50
